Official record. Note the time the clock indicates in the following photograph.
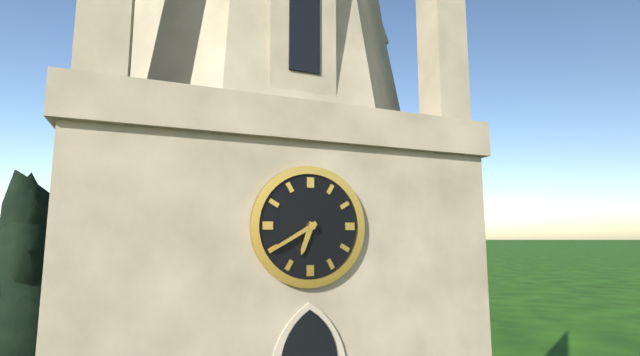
6:40
